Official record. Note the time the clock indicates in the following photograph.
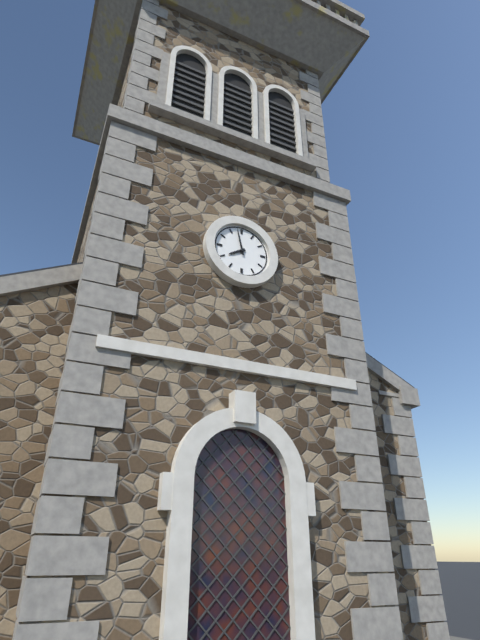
7:58
